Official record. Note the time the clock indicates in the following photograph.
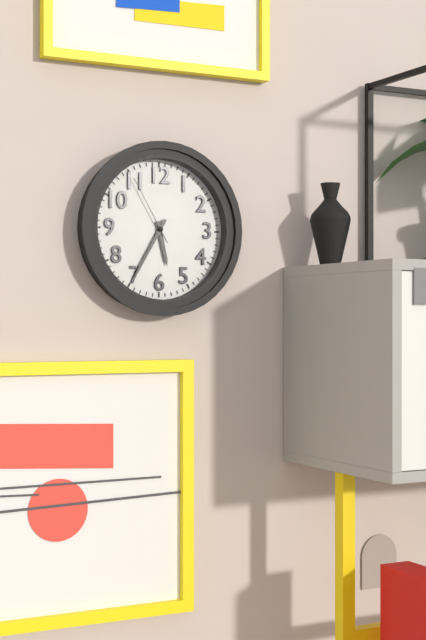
5:35:55
